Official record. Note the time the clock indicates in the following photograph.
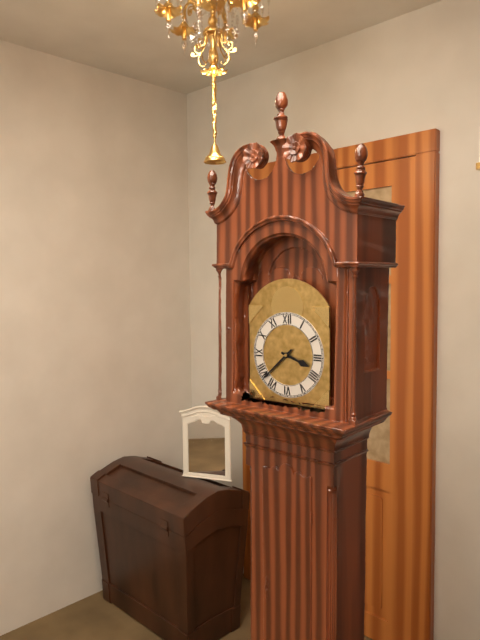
3:38
